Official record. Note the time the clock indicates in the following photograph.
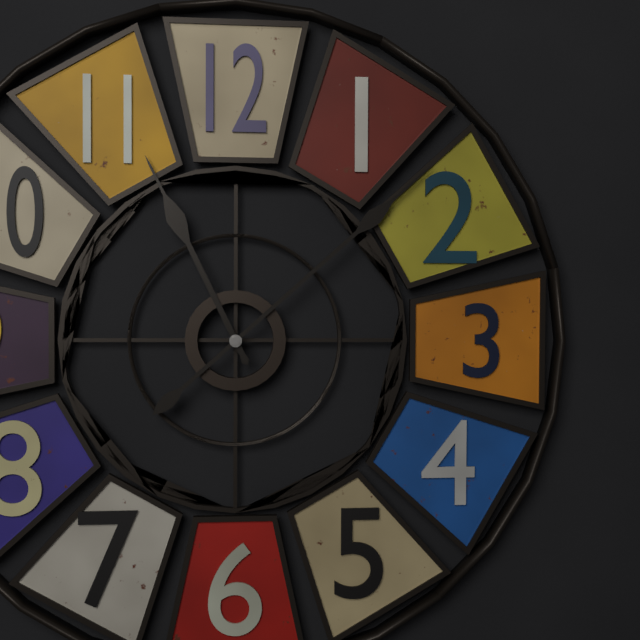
11:08
